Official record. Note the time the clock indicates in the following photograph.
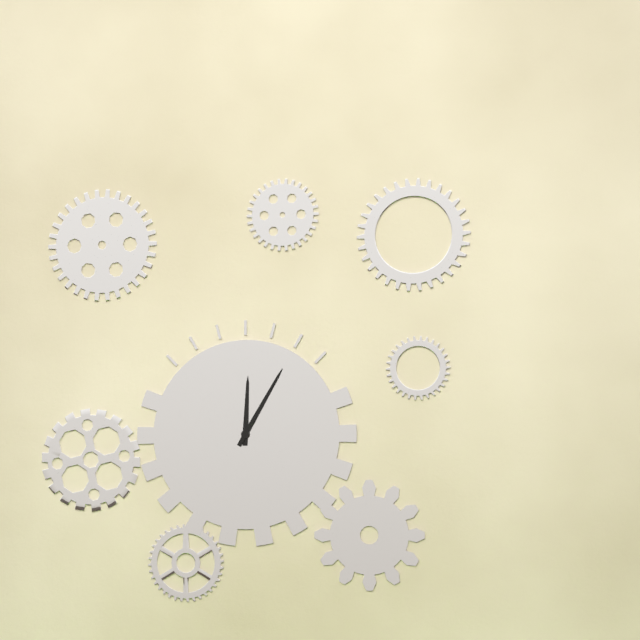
12:05
